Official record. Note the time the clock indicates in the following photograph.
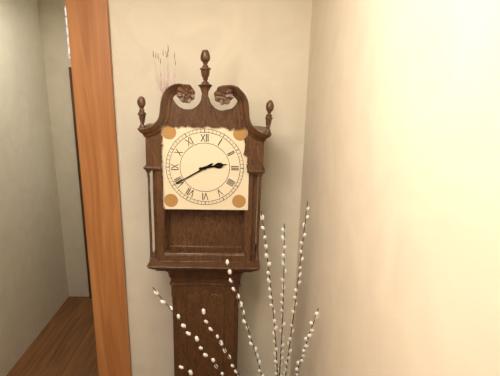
2:40
